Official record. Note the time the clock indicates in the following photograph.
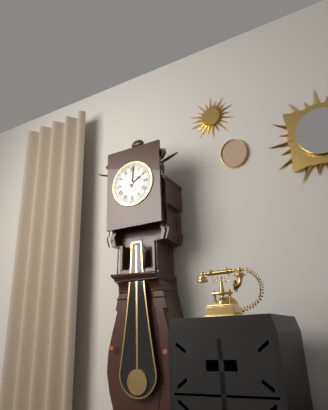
2:01
